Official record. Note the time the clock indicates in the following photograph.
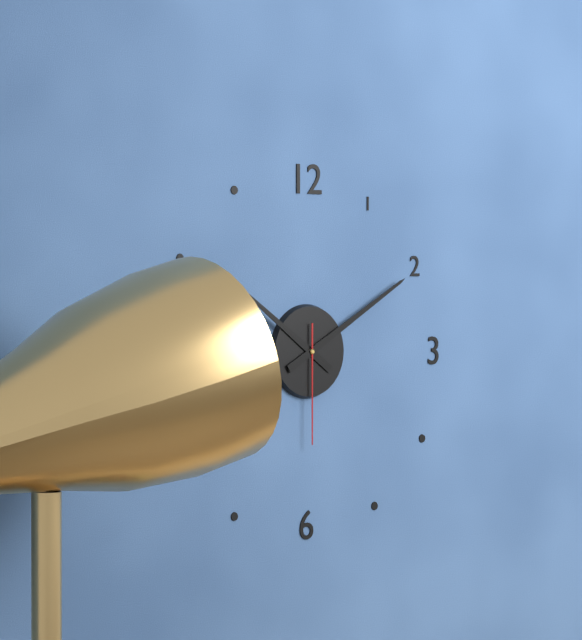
10:10:30
